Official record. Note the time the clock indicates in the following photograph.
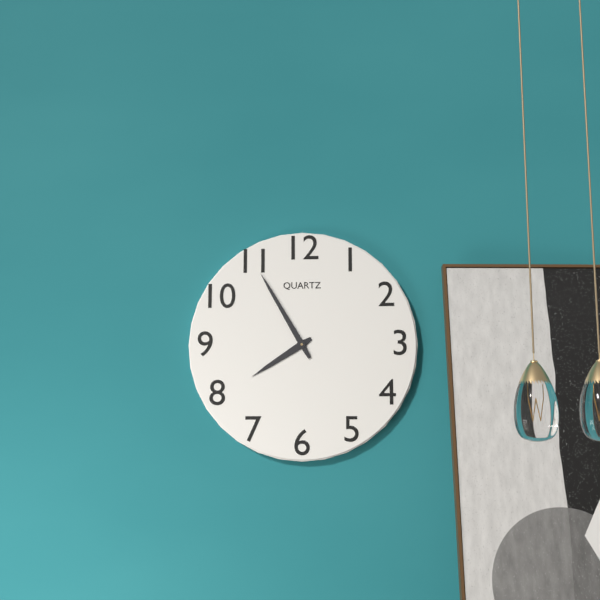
7:55
